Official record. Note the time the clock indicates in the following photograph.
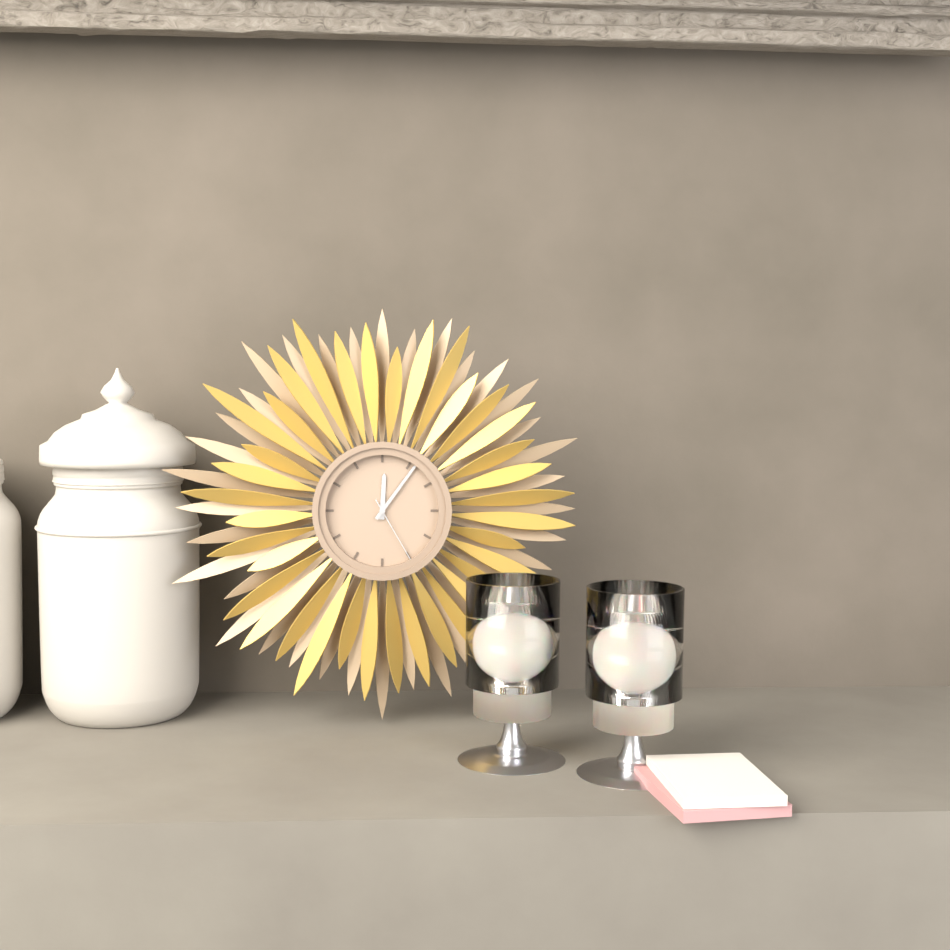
12:06:25
